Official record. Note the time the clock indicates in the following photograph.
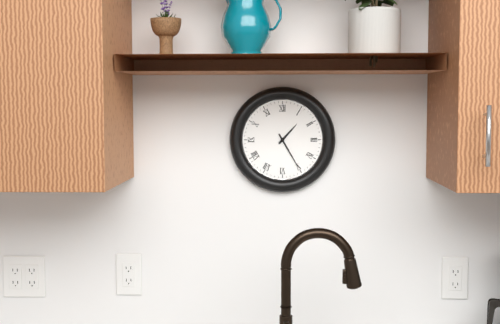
1:25
